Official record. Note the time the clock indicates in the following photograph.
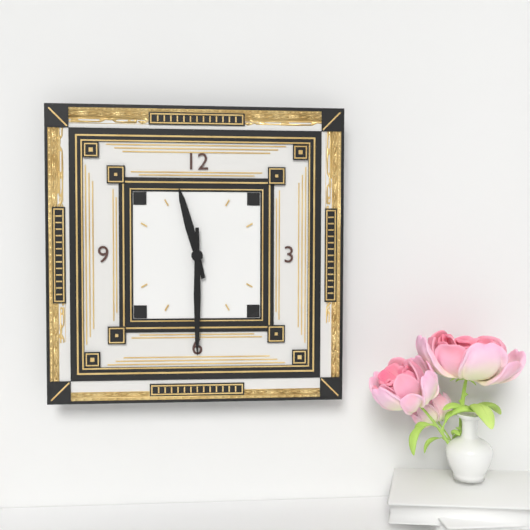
11:30
